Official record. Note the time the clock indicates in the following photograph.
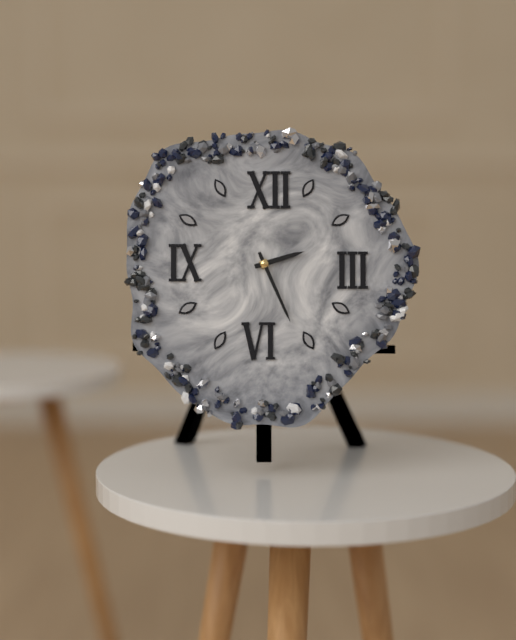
2:26
